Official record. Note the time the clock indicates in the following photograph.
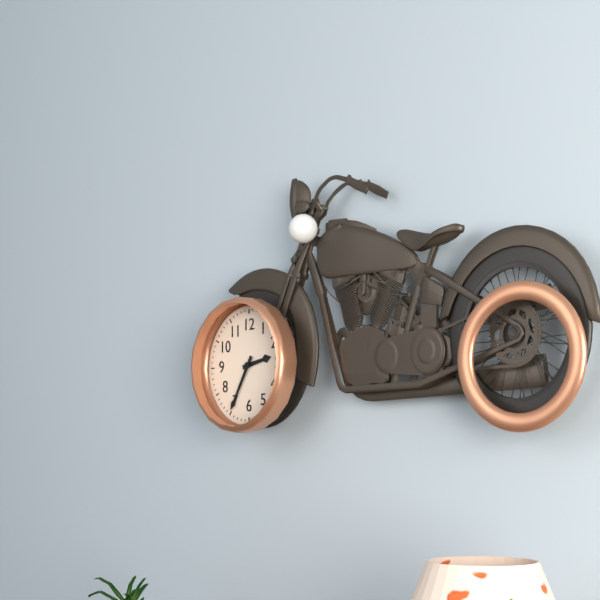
2:35
